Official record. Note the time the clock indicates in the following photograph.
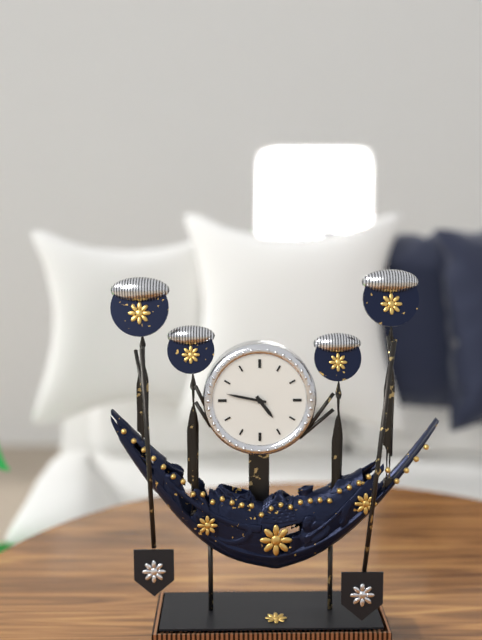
4:47
